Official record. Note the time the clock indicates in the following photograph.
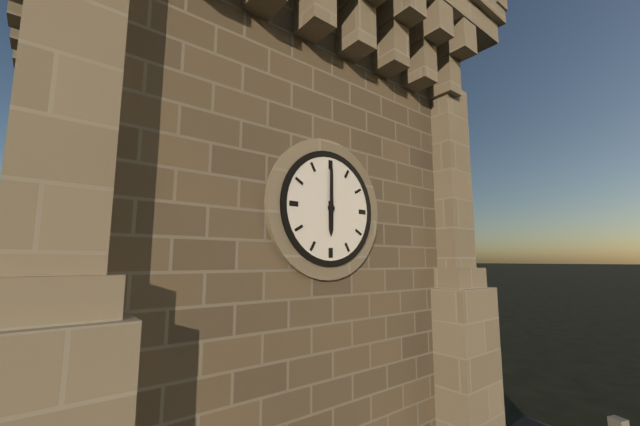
6:00
